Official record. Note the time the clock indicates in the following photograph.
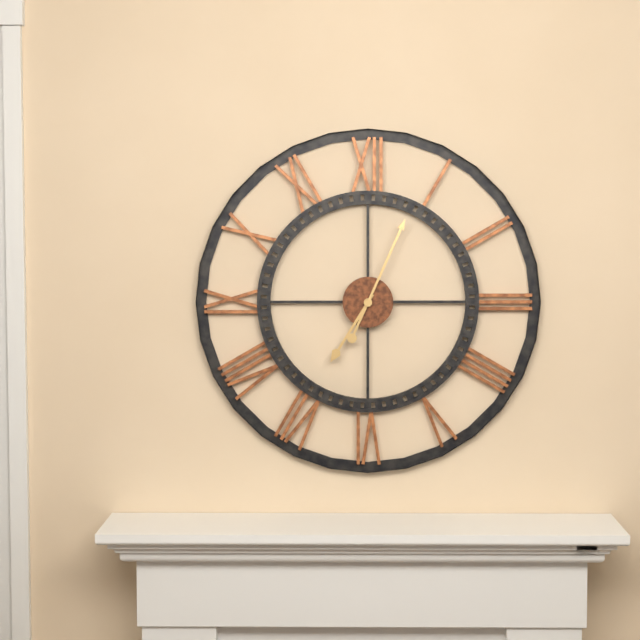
7:04
